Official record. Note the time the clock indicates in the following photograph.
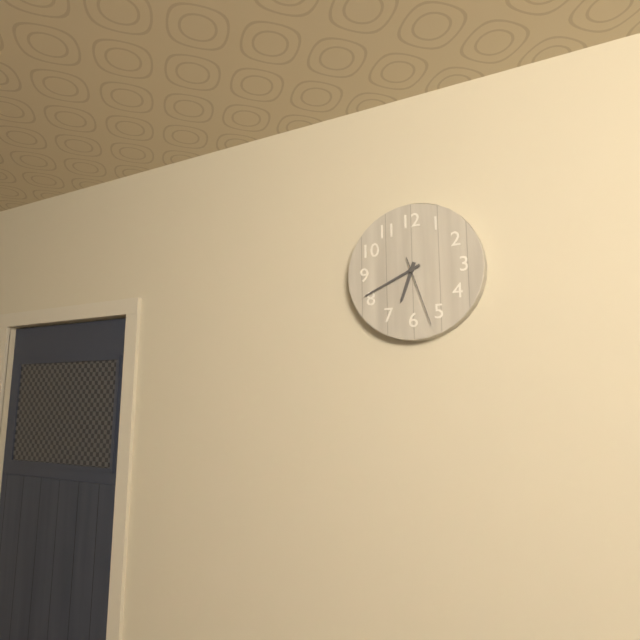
6:41:27
